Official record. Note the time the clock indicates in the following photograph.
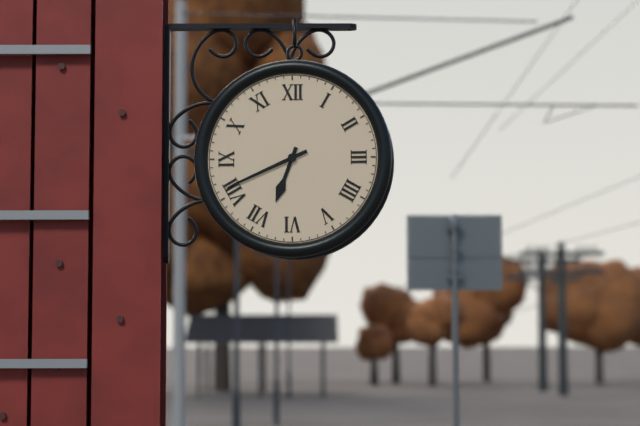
6:41
